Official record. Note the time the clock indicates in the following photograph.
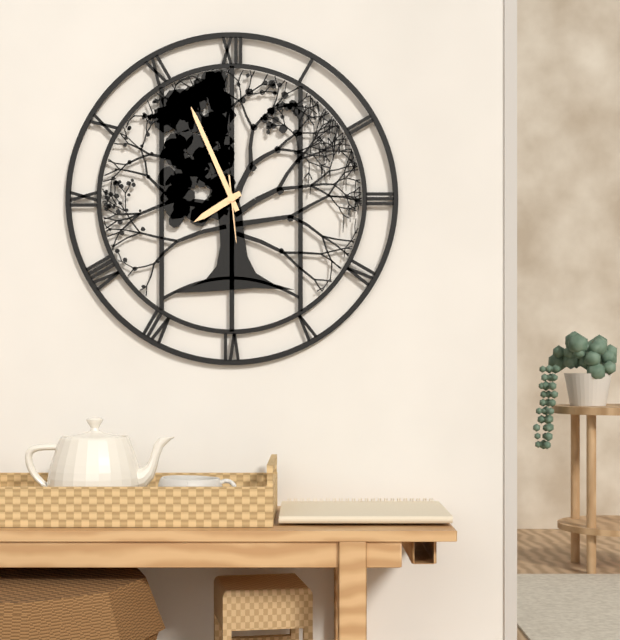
7:56:29
